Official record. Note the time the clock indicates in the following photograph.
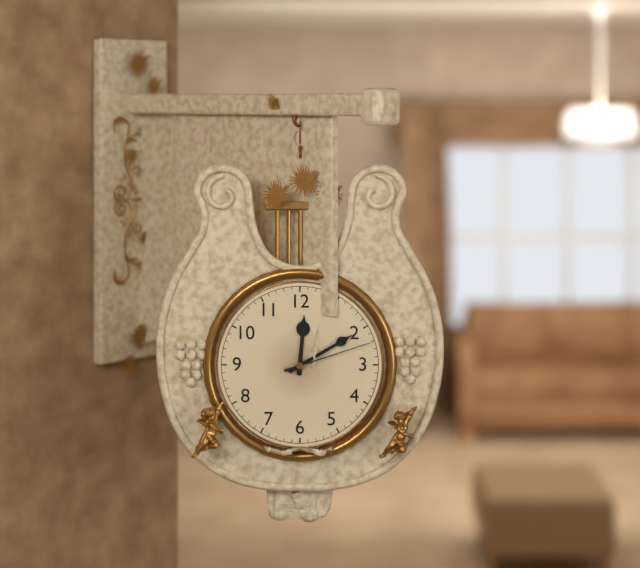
12:10:12
